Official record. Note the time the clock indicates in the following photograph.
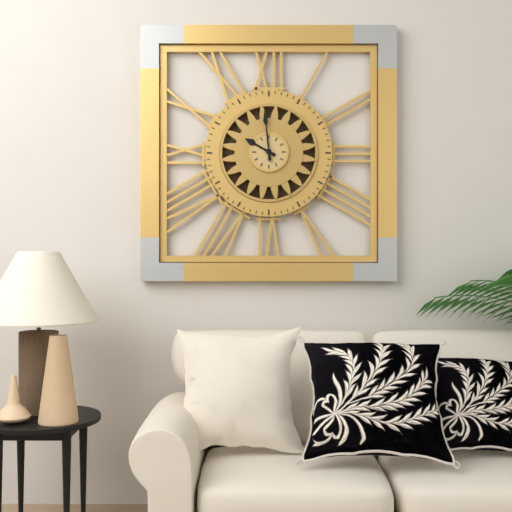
9:59
